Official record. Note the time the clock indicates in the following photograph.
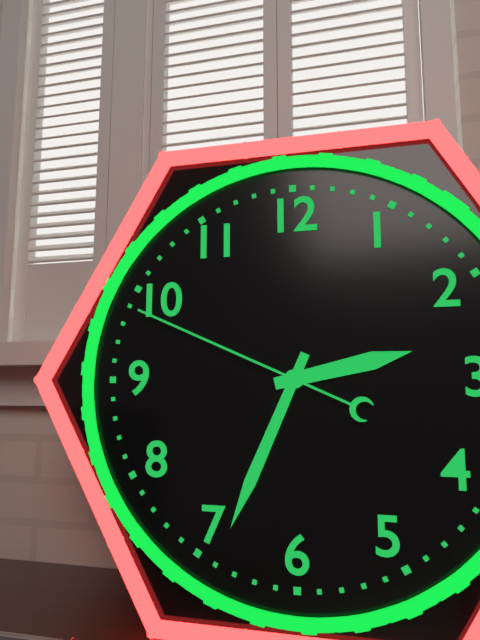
2:34:49
